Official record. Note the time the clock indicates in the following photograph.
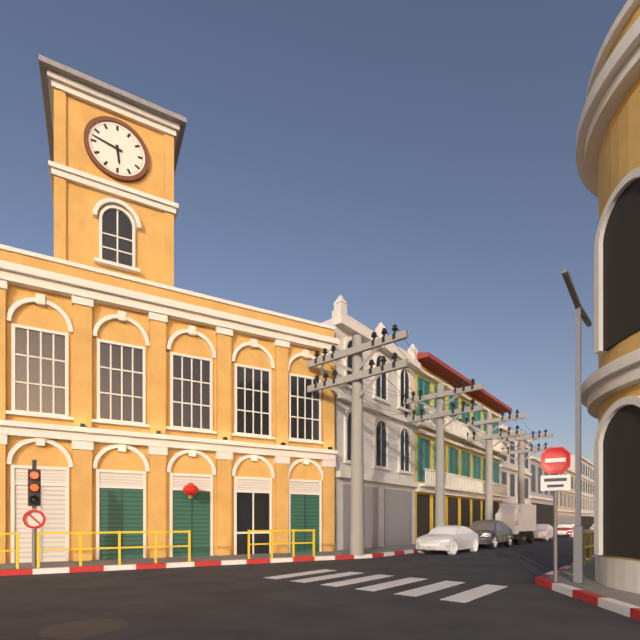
5:47
